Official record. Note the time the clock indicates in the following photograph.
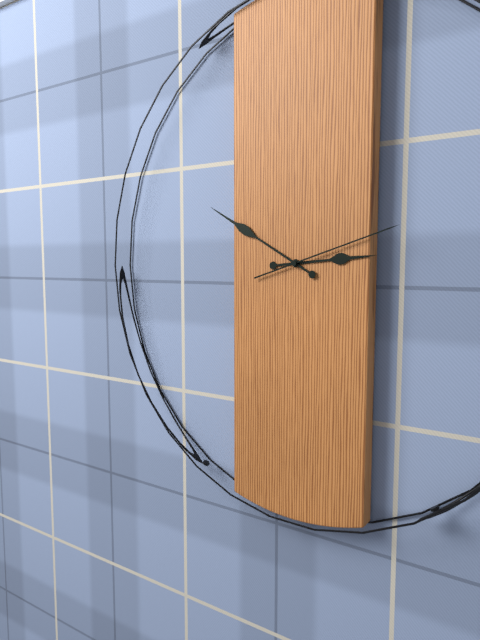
2:50:12
